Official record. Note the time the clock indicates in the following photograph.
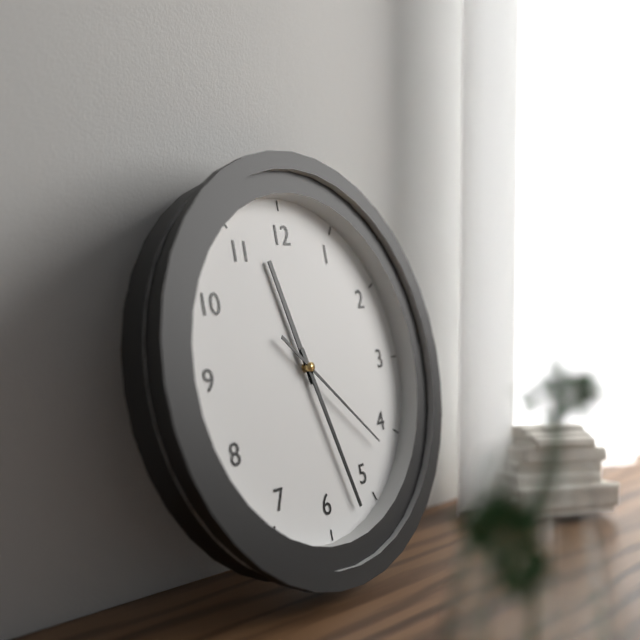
11:27:22
